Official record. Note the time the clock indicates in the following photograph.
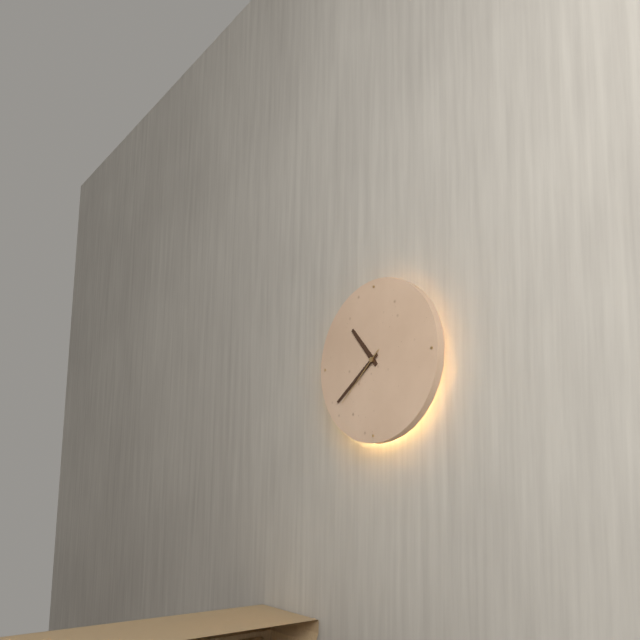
10:39:38
